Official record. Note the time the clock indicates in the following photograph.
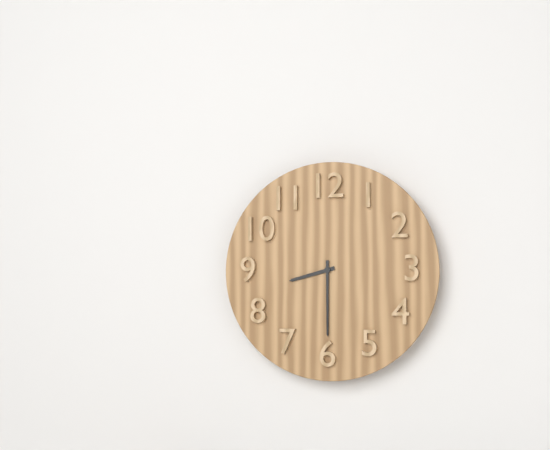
8:30
